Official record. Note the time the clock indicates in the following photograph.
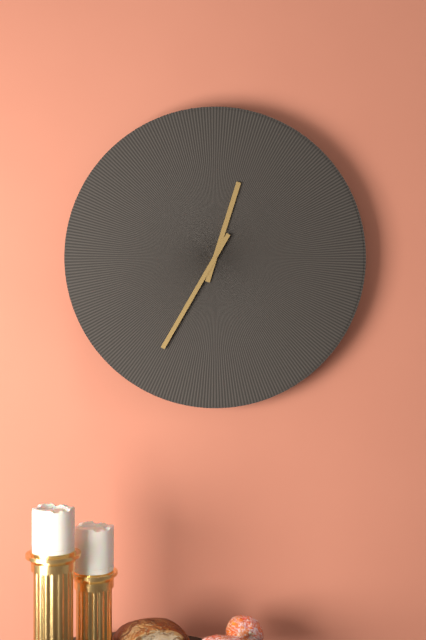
12:35
